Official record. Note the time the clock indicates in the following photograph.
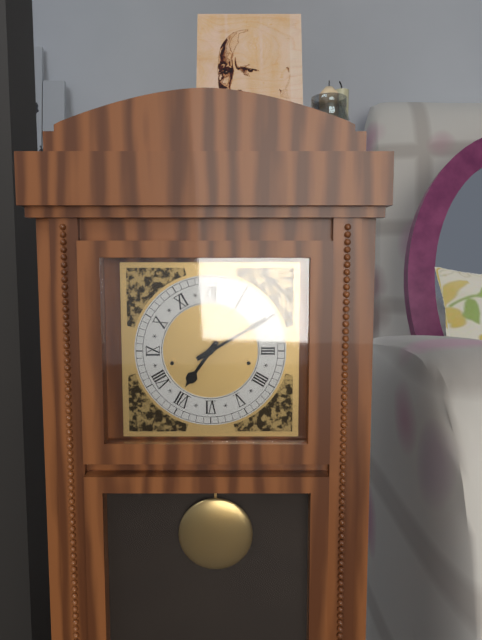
7:10
